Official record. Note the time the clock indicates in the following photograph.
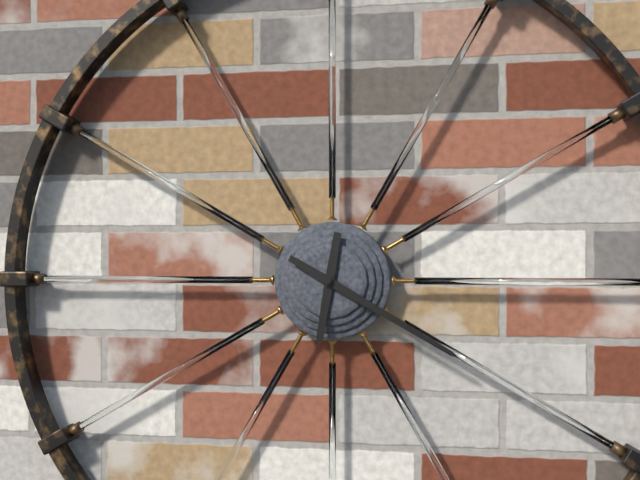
6:20
